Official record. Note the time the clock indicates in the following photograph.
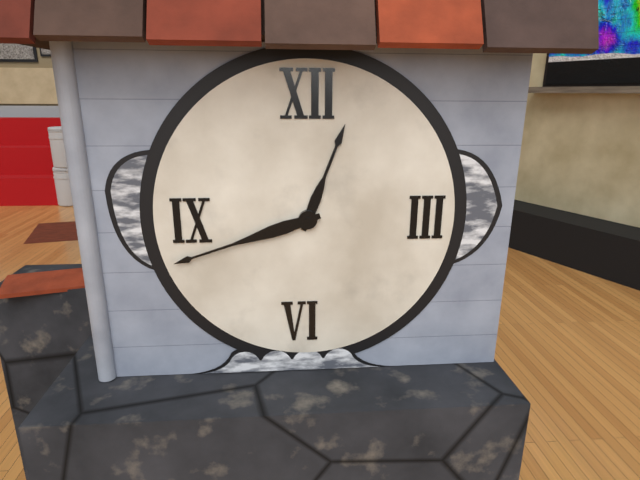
12:42
